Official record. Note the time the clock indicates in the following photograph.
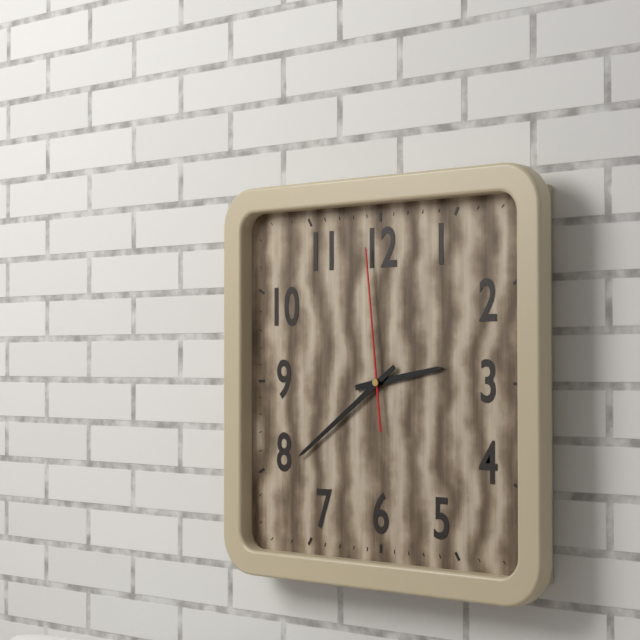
2:39:59
